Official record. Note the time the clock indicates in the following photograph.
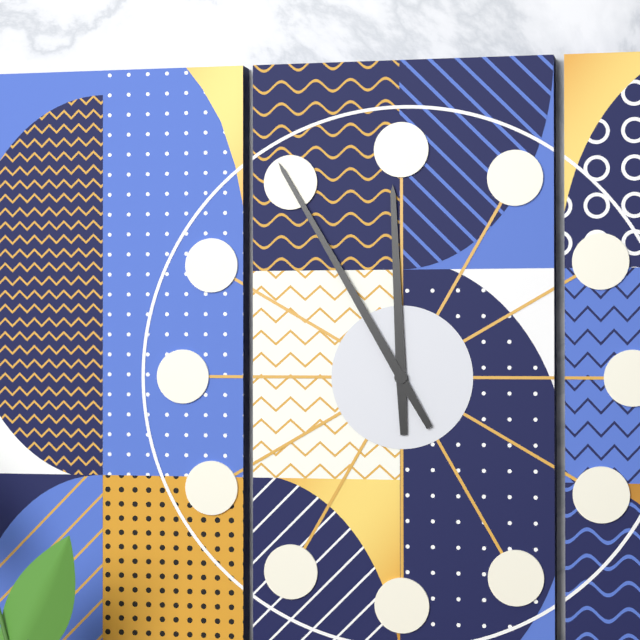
11:55
